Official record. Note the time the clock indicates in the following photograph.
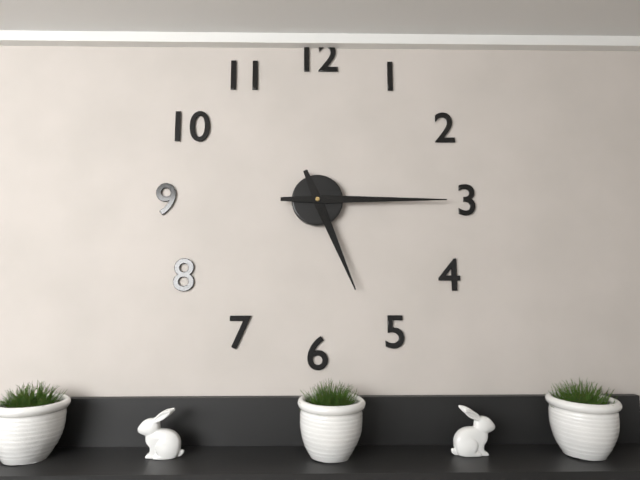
5:15
